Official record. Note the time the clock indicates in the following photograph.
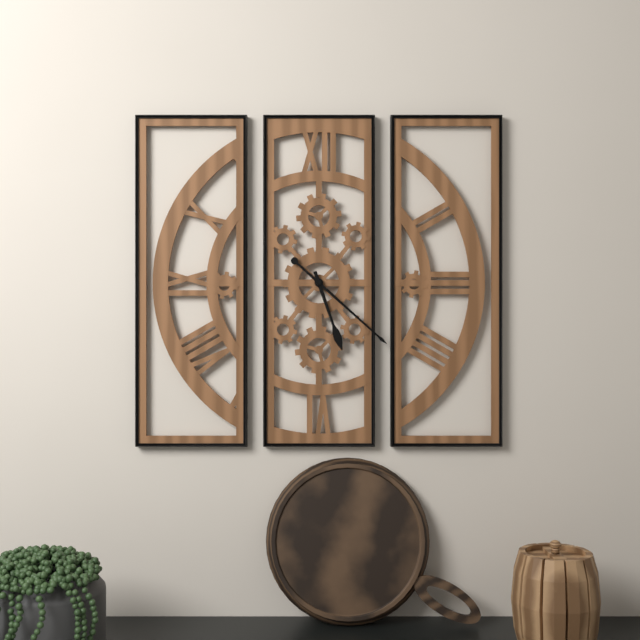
5:22
